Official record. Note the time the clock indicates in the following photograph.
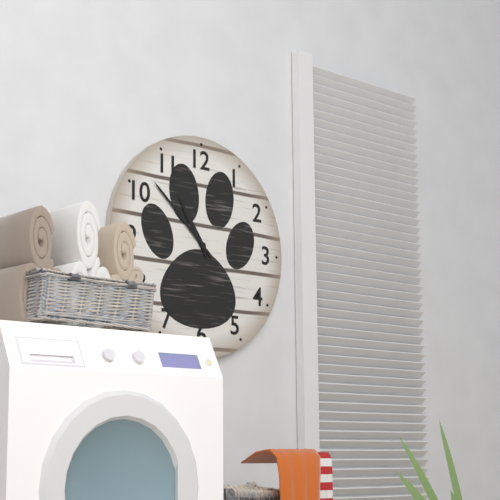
10:52
